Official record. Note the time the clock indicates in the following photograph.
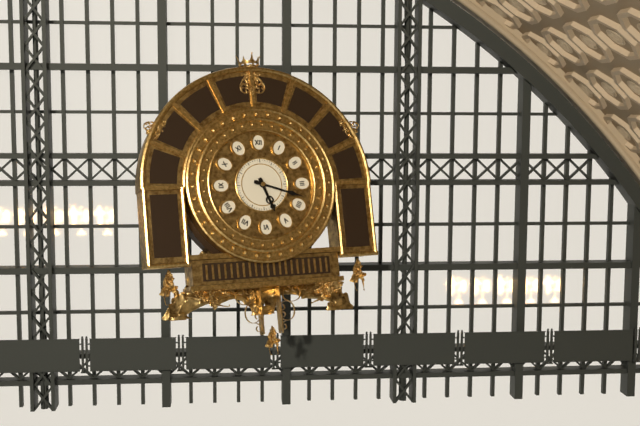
5:18
